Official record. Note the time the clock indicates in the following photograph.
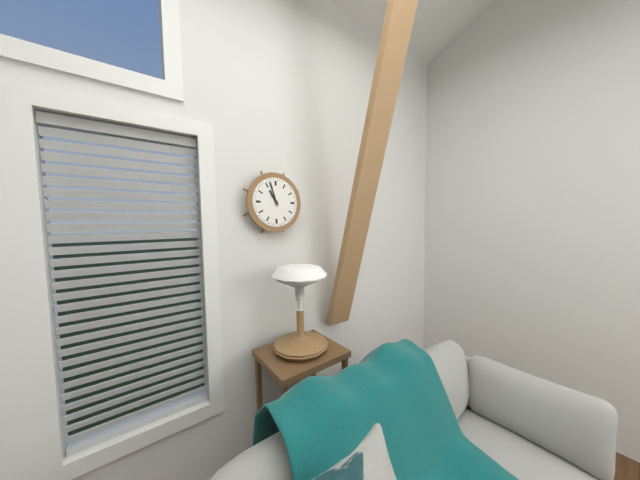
10:57
